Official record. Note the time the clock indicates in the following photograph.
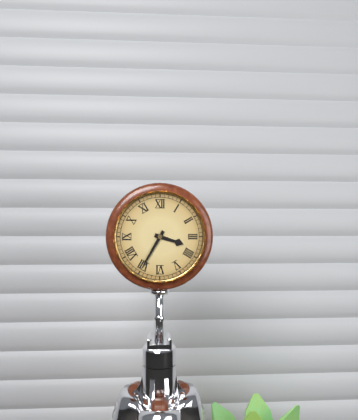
3:35
